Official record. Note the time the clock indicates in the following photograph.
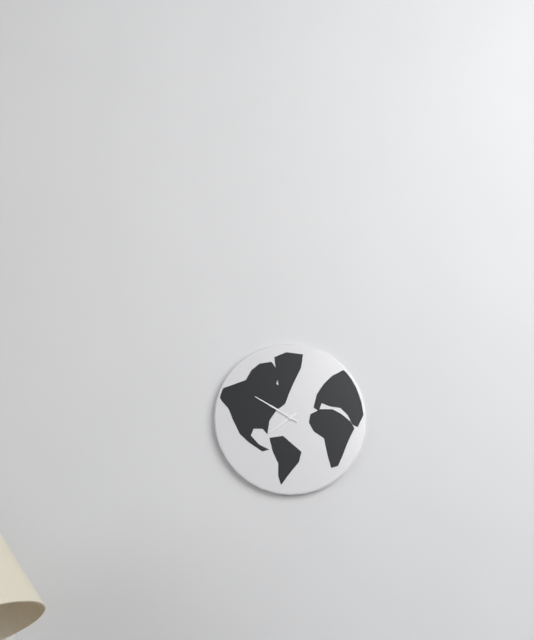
7:50
